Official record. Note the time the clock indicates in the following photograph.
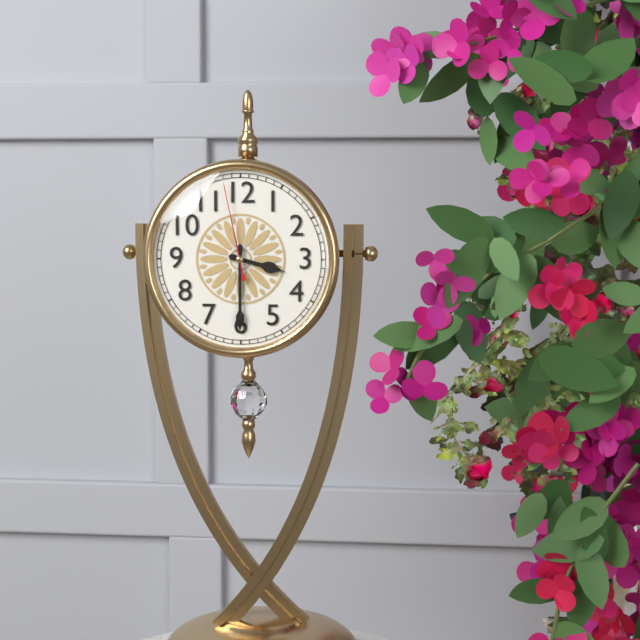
3:30:58
